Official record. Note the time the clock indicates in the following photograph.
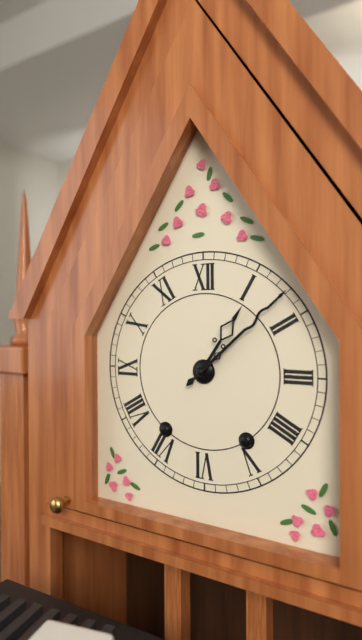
1:08
